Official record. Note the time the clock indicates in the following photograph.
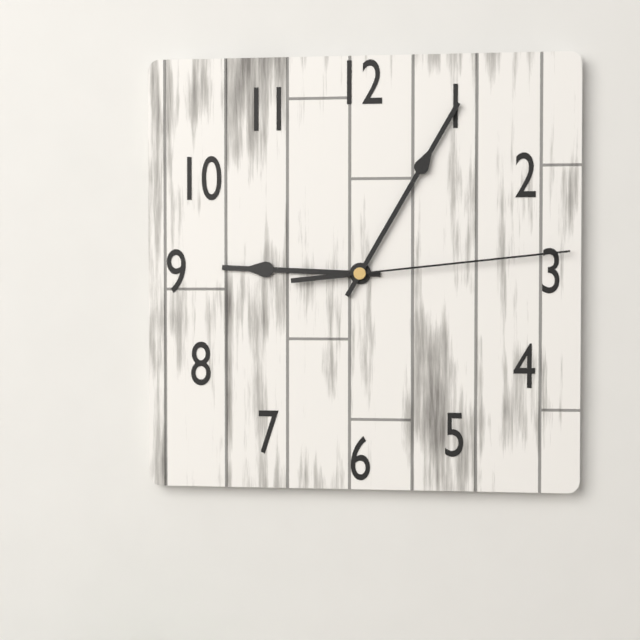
9:05:14
